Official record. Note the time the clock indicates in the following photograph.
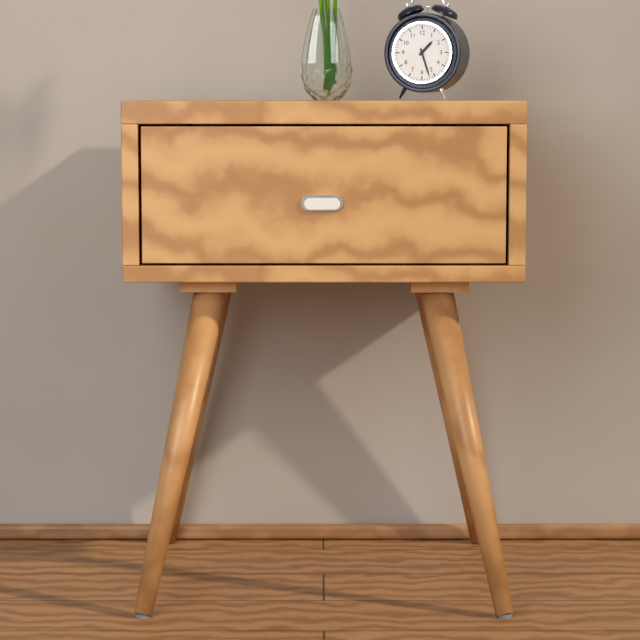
1:27
